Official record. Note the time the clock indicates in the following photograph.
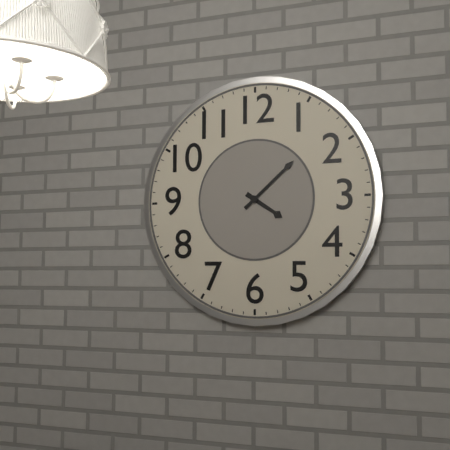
4:08
